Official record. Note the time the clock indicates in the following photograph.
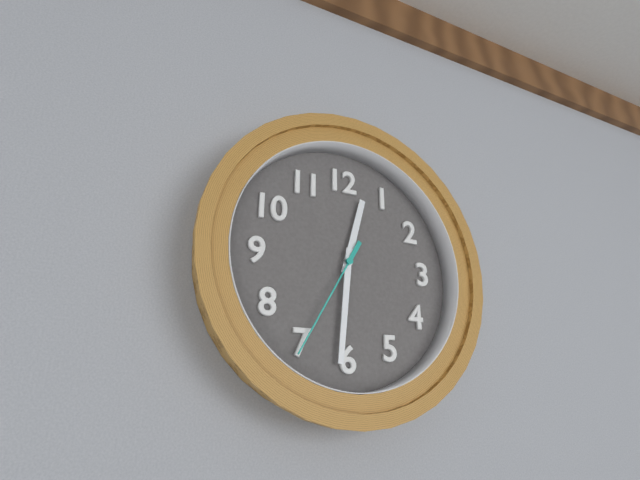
12:31:35
